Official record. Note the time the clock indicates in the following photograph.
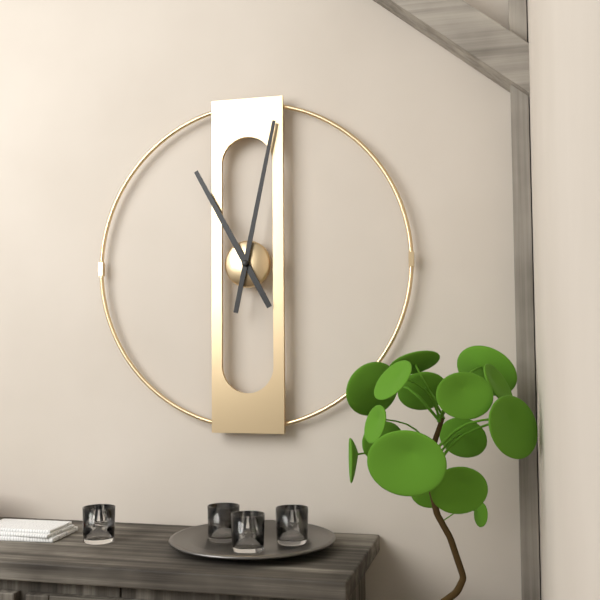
11:02
